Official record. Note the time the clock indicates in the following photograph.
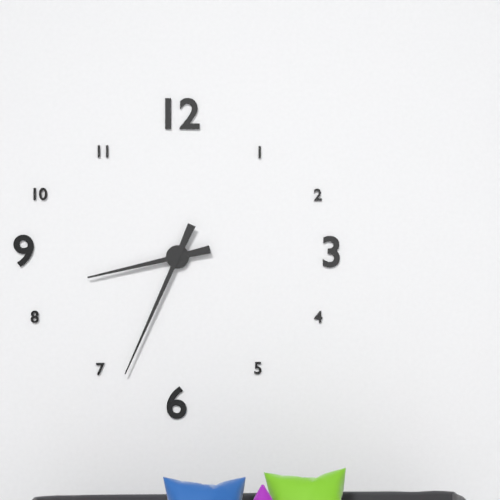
8:34
